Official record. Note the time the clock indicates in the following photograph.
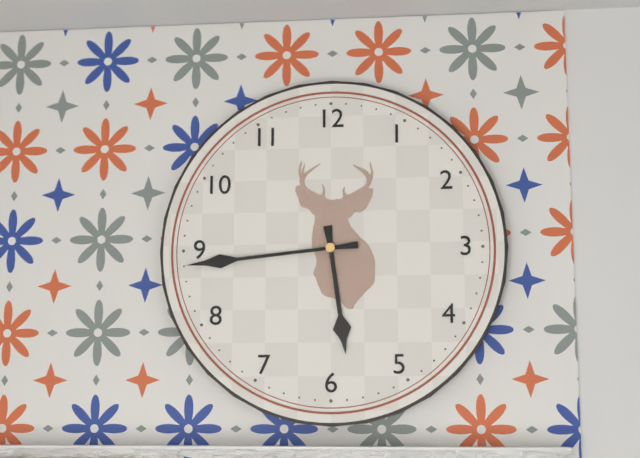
5:44
